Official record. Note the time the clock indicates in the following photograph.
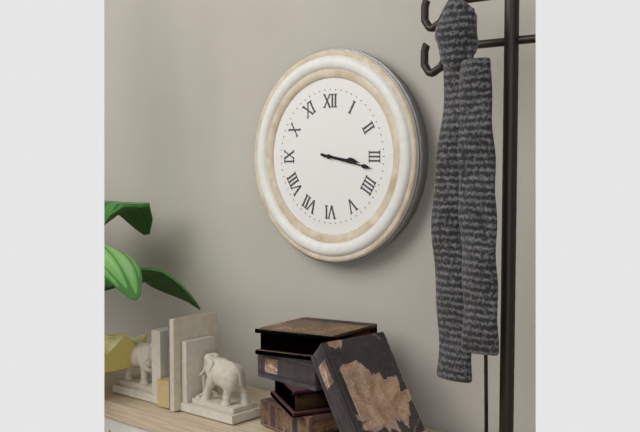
3:17
